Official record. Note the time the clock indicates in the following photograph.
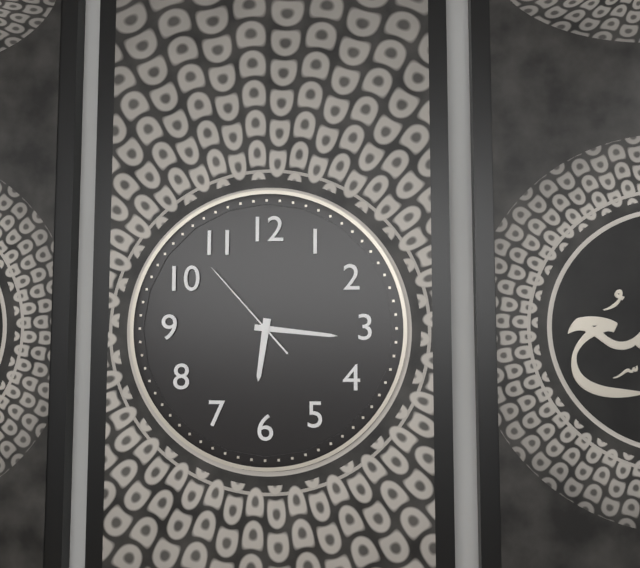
6:16:53
